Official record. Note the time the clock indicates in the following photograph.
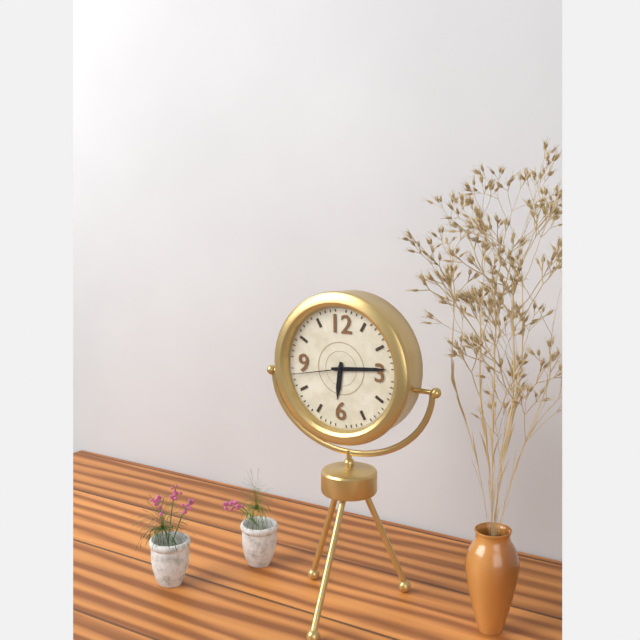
6:14:43
